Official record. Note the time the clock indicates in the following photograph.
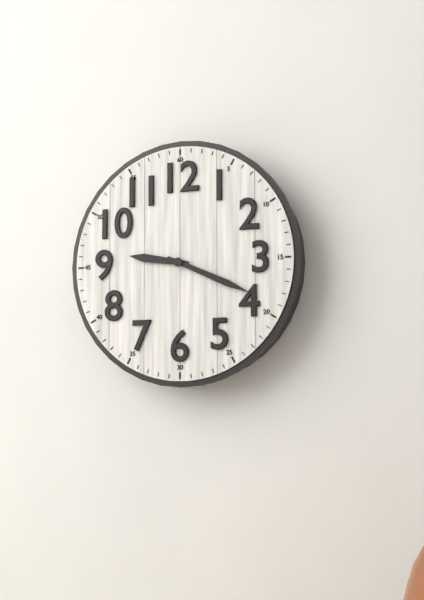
9:19
